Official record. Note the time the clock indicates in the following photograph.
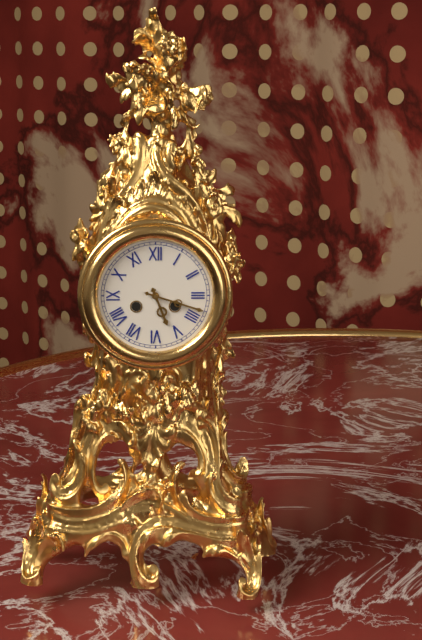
5:18
